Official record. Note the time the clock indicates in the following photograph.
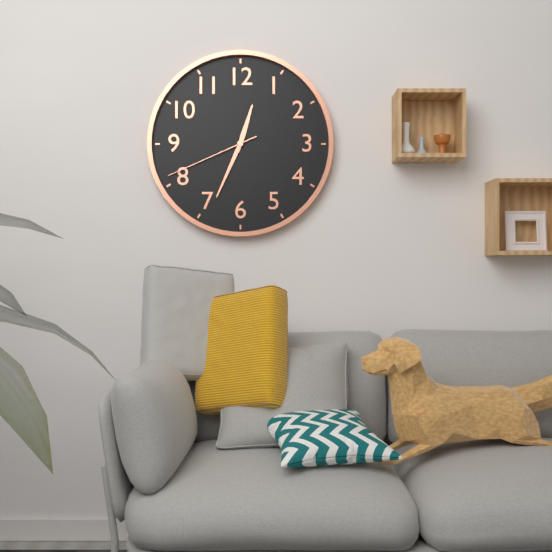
12:34:41
